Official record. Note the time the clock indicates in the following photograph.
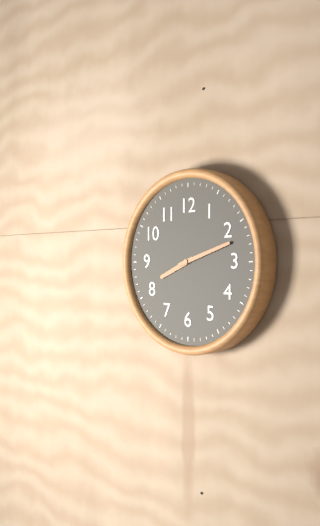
8:12
